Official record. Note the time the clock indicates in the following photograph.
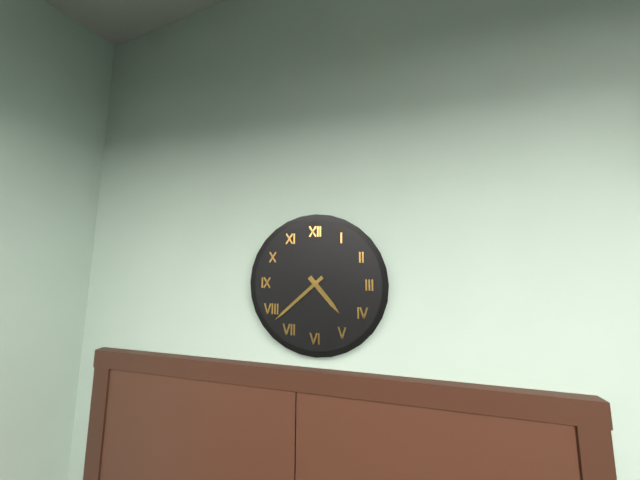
4:38
